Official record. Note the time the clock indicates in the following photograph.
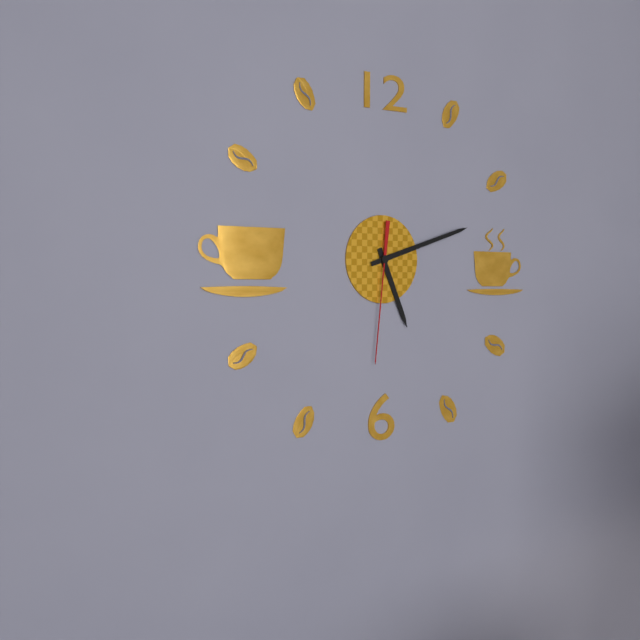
5:12:31
